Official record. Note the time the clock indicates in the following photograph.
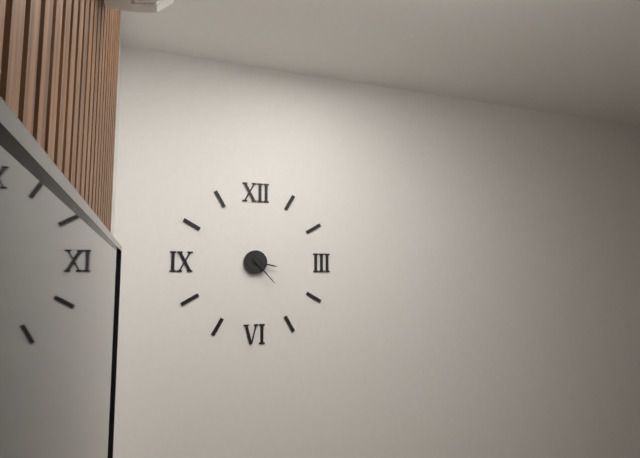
3:23
